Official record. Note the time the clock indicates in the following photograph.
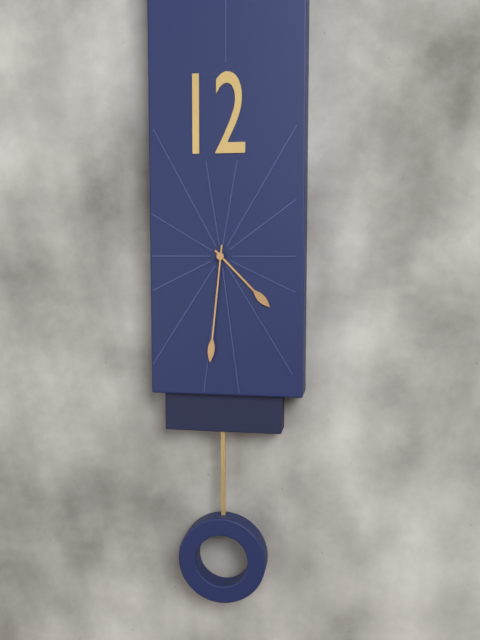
4:31
